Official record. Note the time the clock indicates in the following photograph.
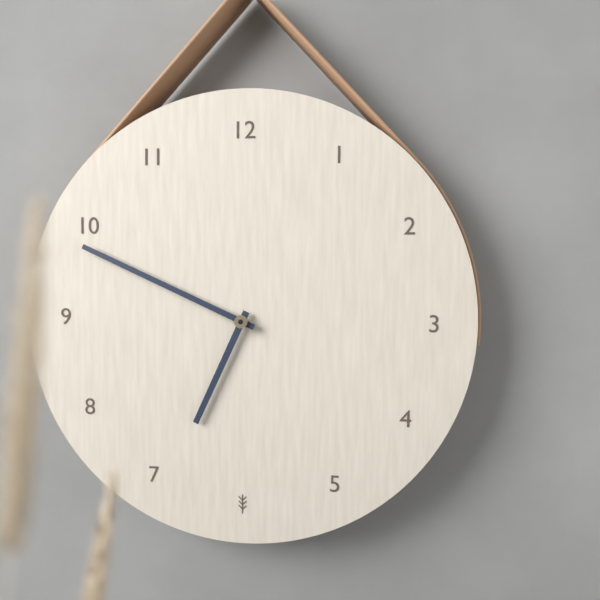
6:49
